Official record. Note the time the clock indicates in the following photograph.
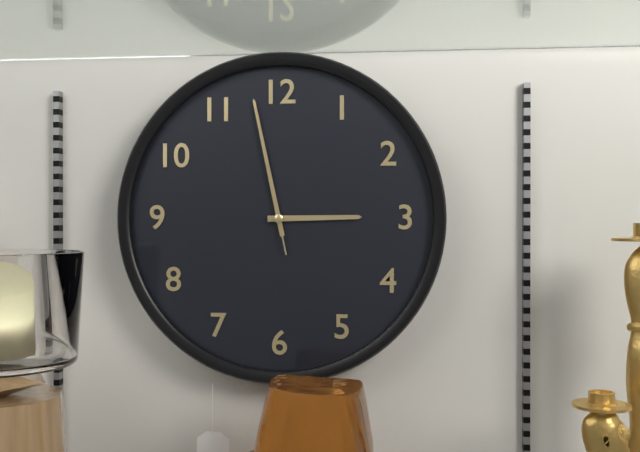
2:58:58
